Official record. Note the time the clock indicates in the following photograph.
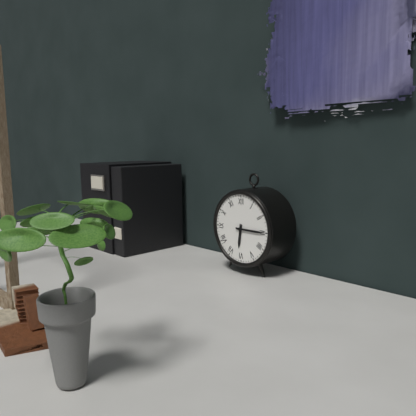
6:15
